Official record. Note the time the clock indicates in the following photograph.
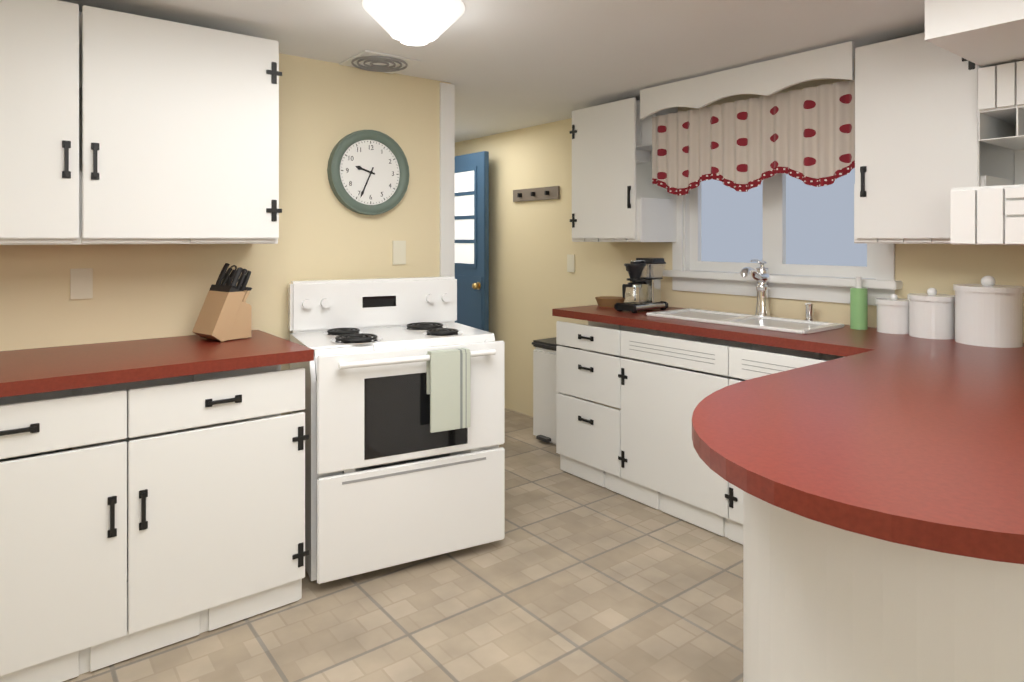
9:34
